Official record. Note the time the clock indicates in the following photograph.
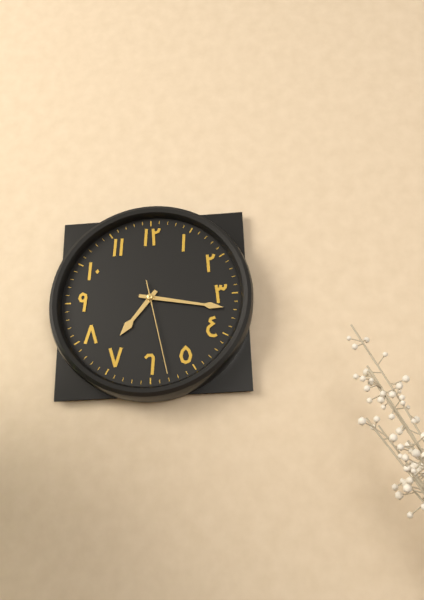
7:17:28
